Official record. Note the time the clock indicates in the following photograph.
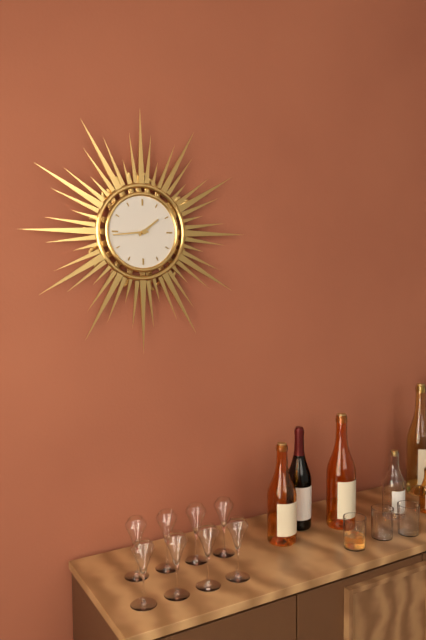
1:44
